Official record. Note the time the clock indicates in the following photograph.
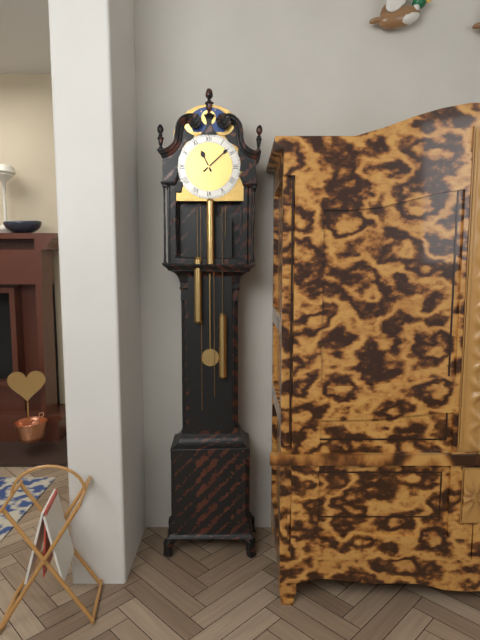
11:08
